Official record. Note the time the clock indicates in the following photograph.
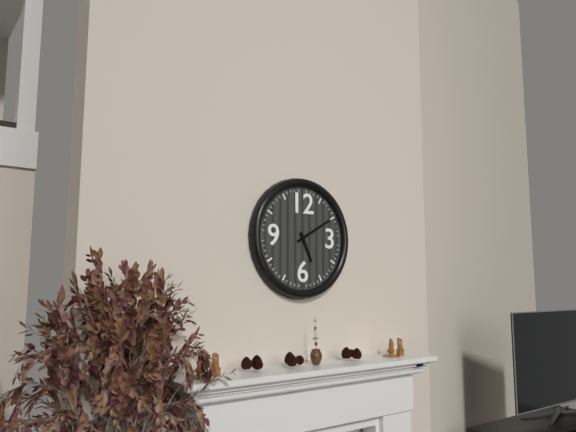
5:10
